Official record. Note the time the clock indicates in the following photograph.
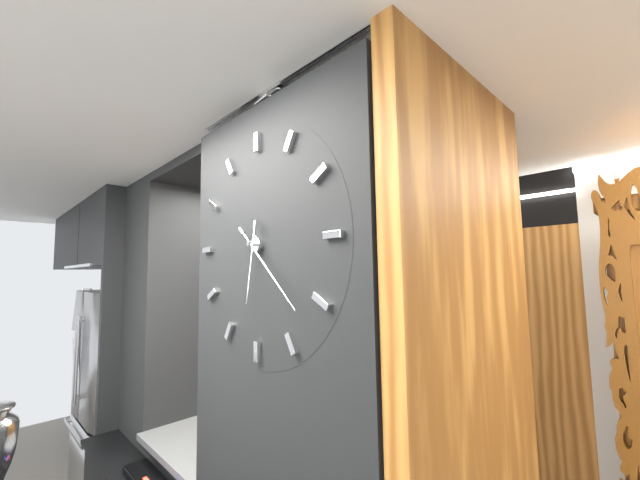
6:22
